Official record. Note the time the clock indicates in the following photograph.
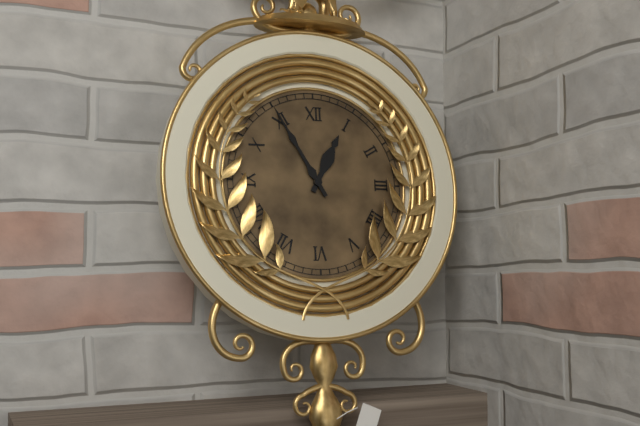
12:55
